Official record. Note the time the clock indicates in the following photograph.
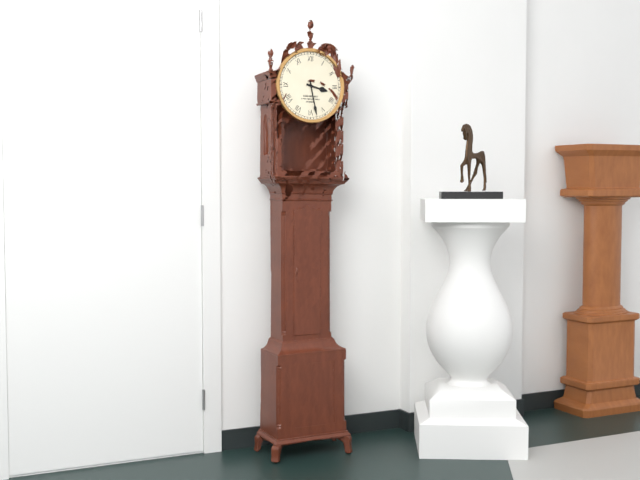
3:28
